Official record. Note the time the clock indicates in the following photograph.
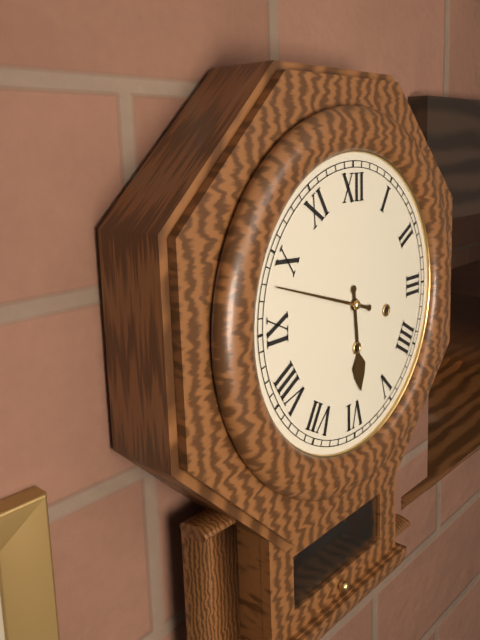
5:48
